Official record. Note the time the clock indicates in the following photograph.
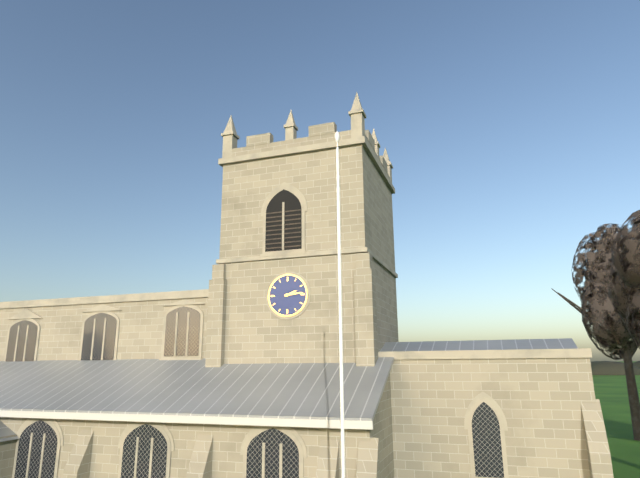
2:14
